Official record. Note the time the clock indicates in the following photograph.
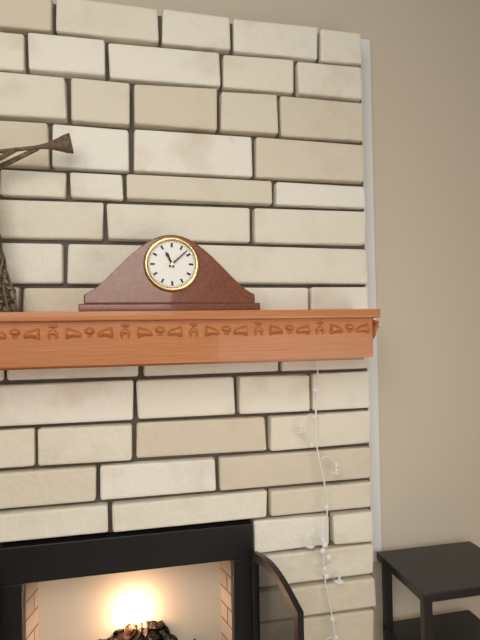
11:08
